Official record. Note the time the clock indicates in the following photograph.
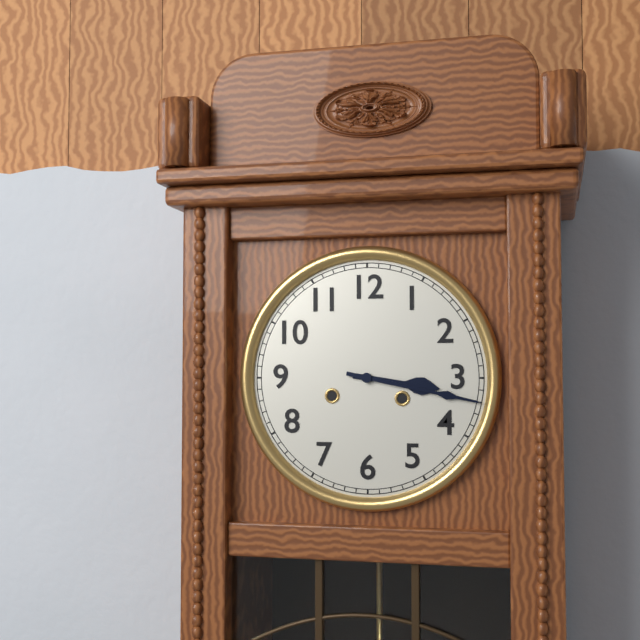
3:17
